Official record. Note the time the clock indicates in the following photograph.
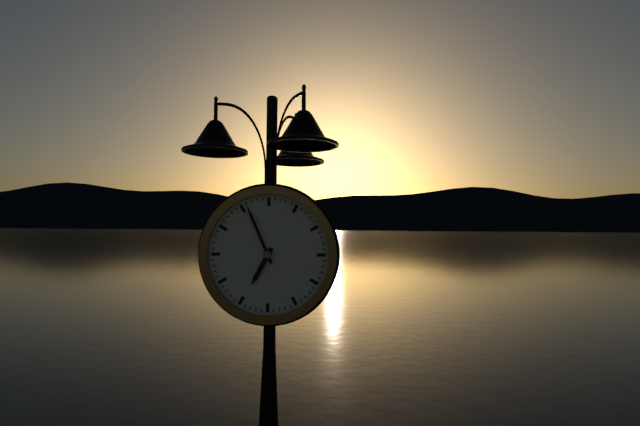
6:56
